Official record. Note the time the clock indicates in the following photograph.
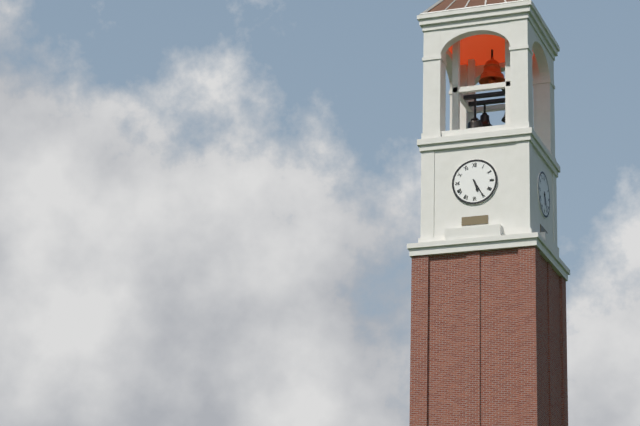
5:25
